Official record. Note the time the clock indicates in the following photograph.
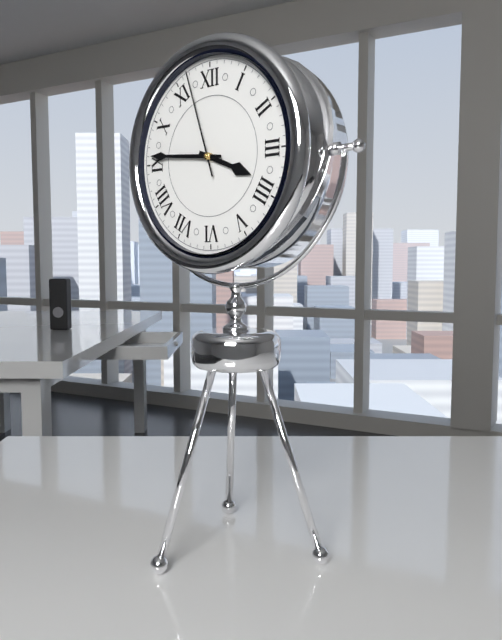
3:46:57
